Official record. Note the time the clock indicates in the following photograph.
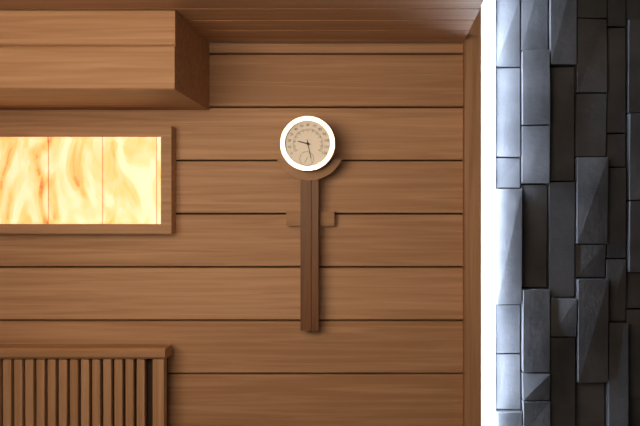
9:28
